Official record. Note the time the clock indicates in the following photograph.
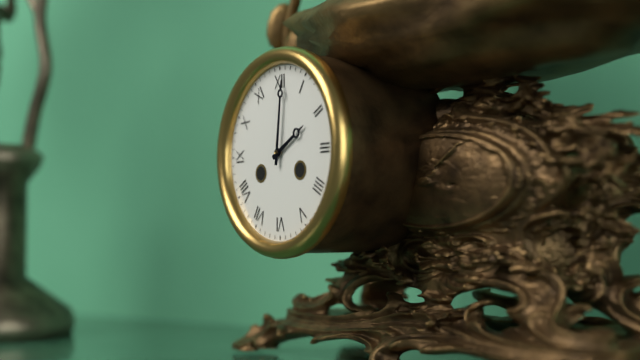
2:01
